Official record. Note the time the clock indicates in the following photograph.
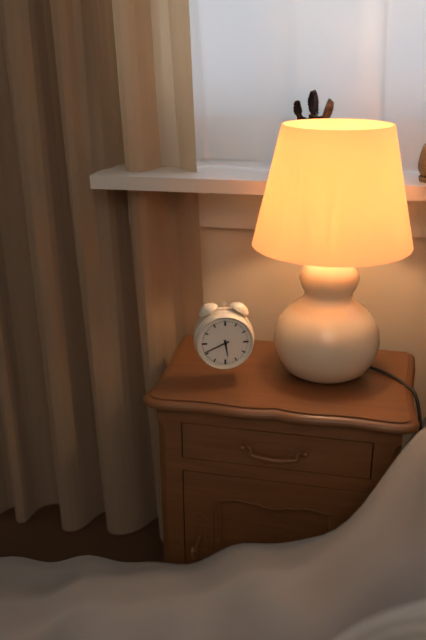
5:41
